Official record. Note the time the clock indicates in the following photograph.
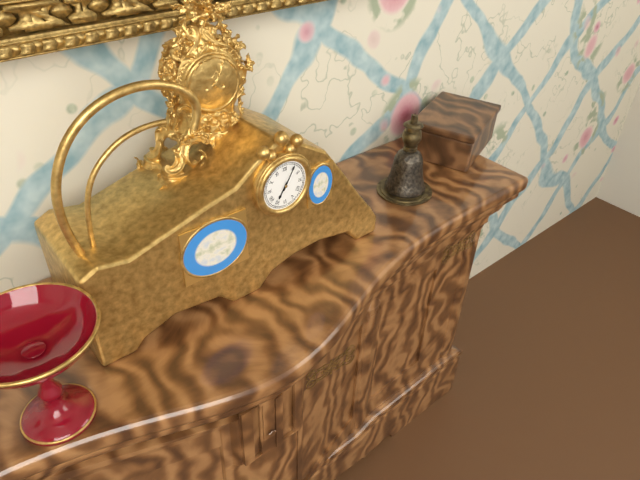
7:05
